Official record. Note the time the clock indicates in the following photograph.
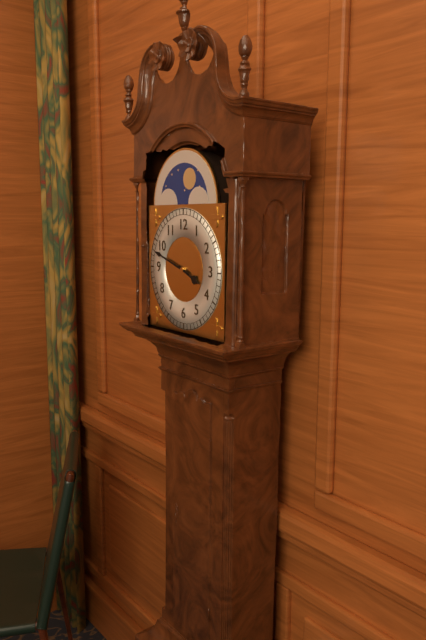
3:48
